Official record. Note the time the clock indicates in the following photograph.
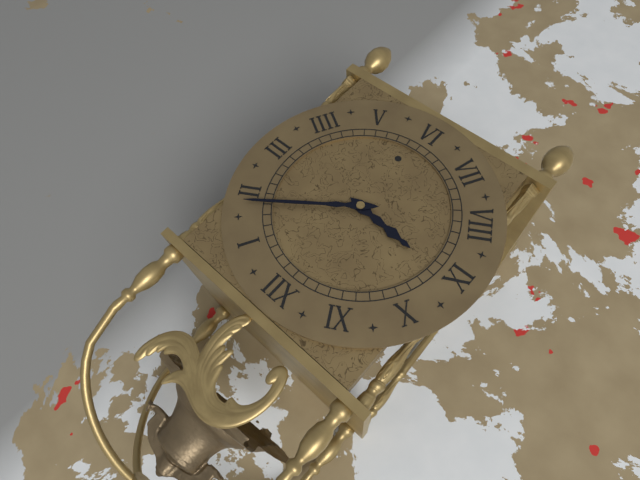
9:09
